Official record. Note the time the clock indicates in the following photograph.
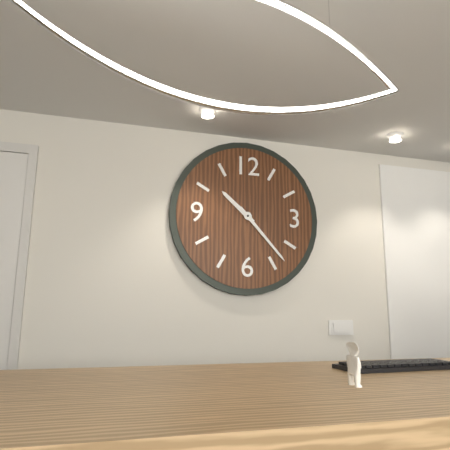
10:23
